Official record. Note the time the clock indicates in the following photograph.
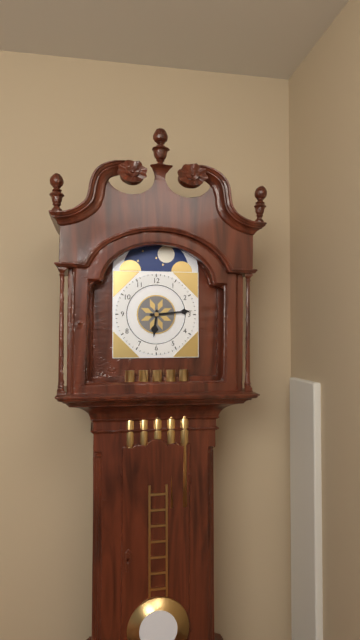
6:14
